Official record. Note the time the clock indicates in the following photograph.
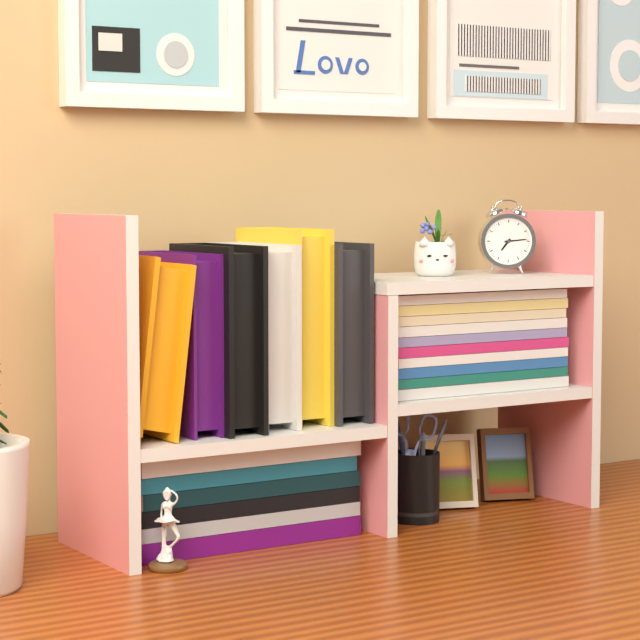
7:14
